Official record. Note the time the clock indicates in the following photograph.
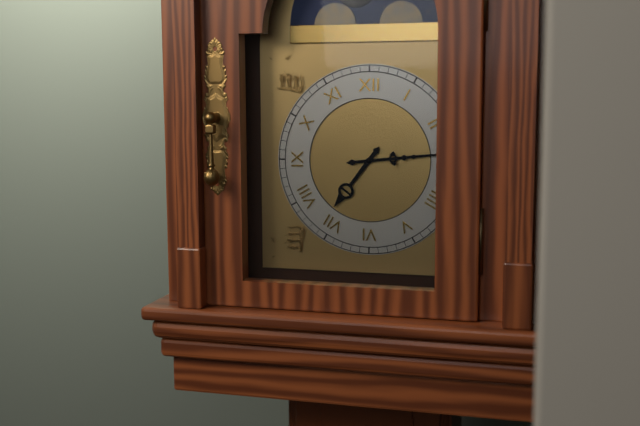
7:14
